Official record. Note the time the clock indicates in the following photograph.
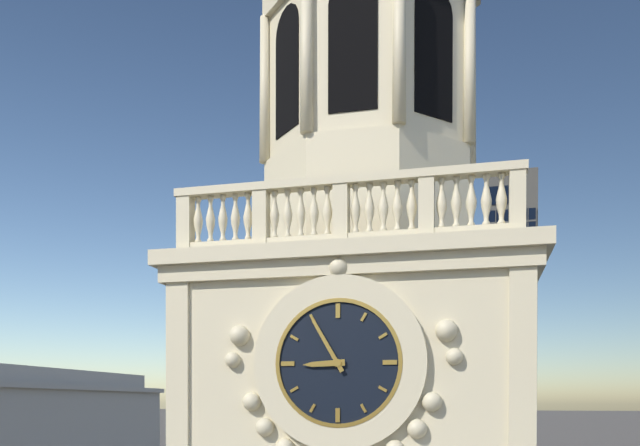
8:55
